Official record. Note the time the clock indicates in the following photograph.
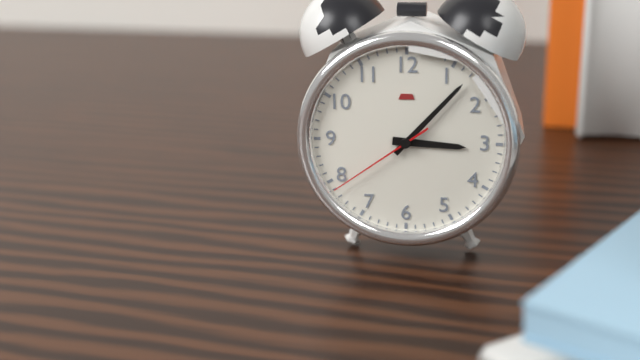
3:07:39
